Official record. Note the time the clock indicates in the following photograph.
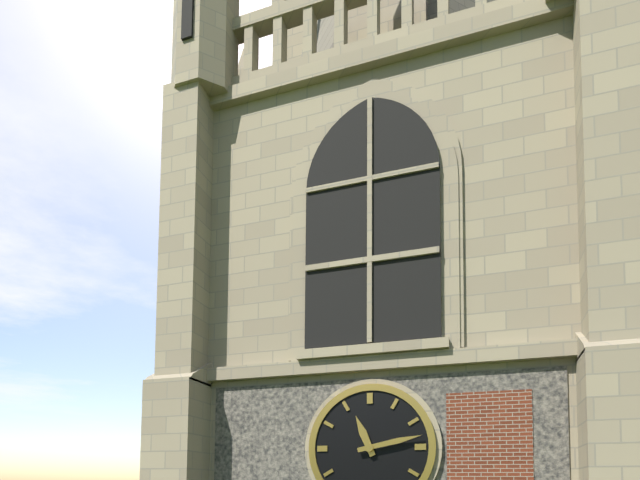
11:13
